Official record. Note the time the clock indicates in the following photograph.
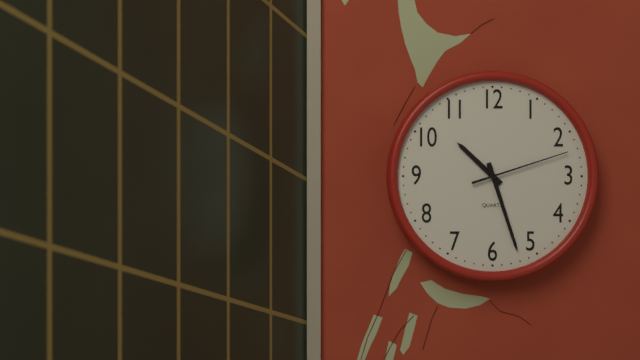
10:27:12
